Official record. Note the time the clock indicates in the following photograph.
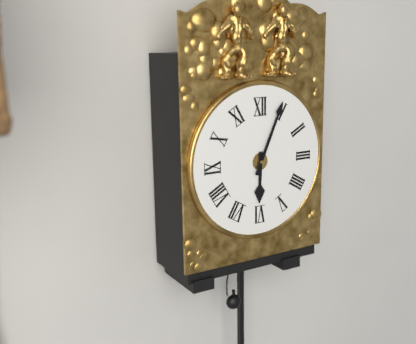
6:04
